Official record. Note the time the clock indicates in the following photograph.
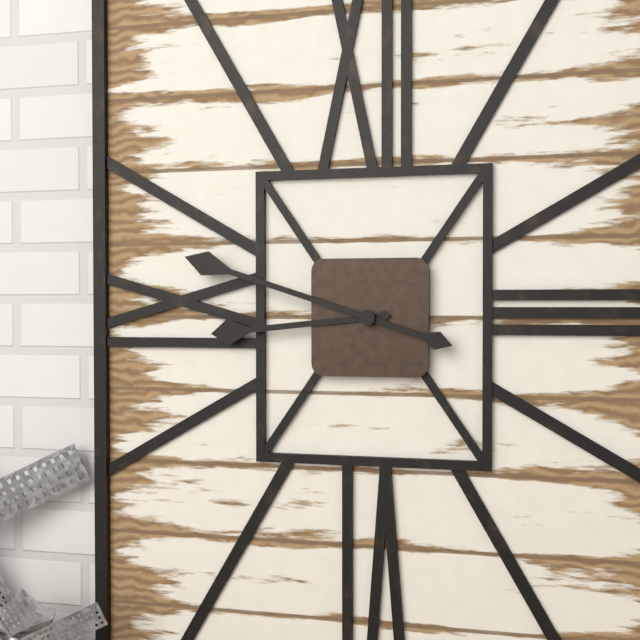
8:48
